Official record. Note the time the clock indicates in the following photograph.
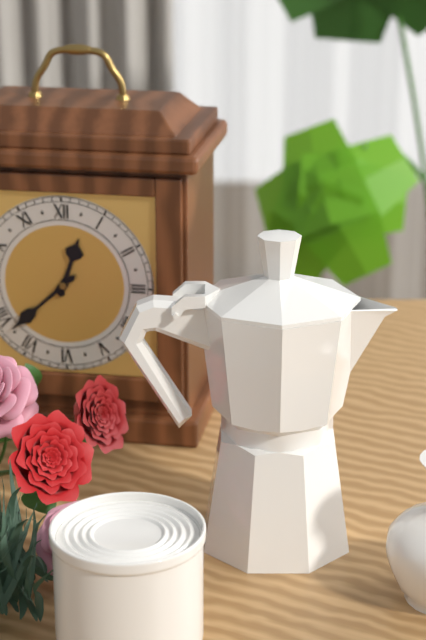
12:38
